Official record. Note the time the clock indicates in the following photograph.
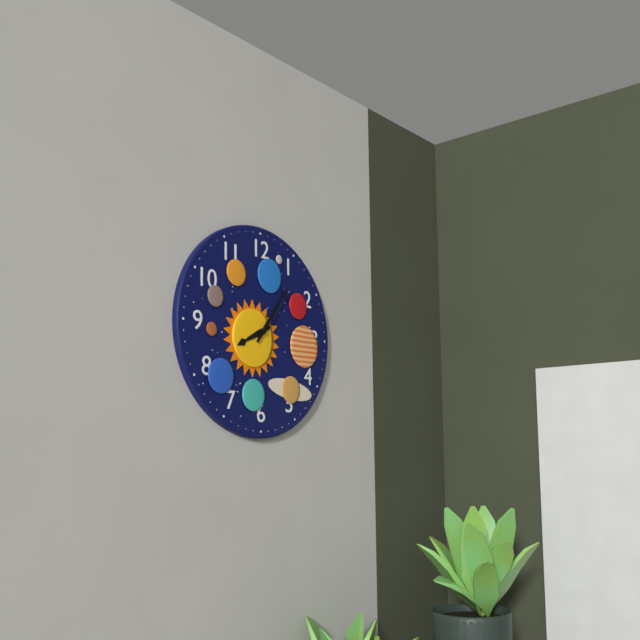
8:06
